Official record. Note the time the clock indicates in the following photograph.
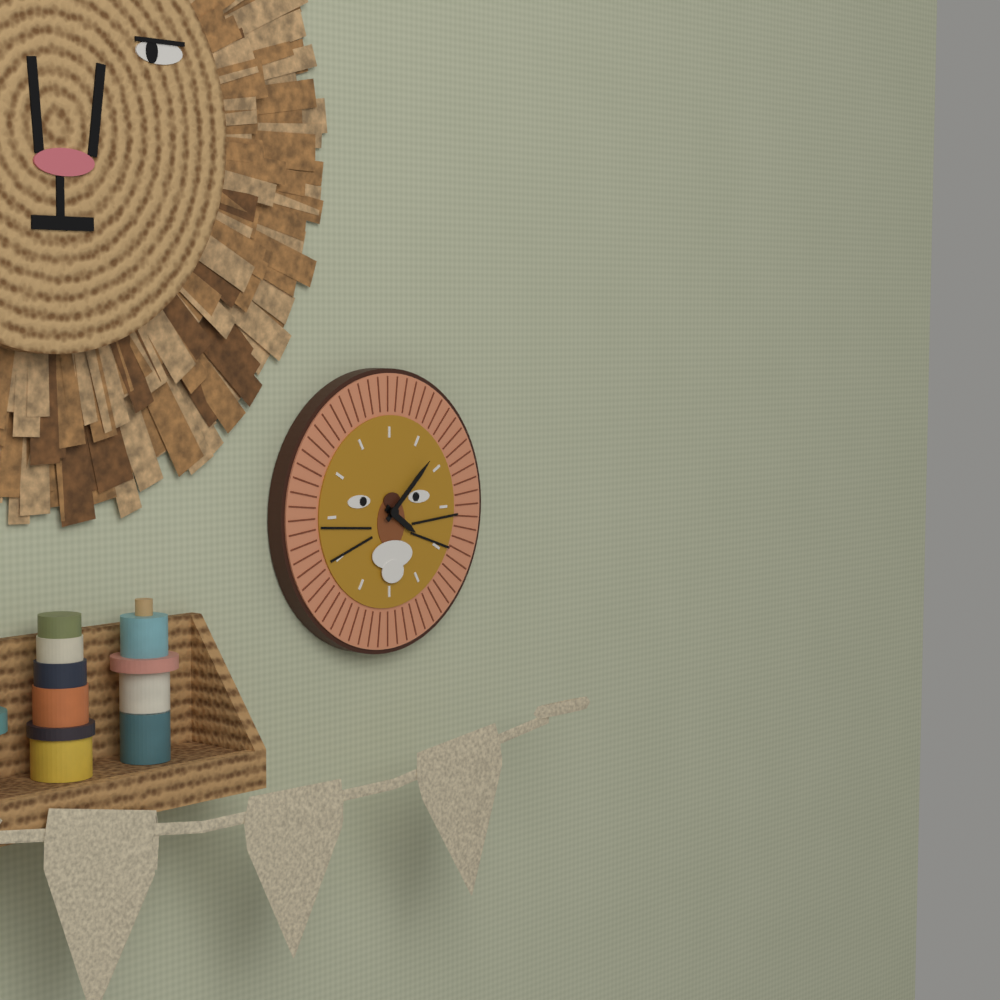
4:08
